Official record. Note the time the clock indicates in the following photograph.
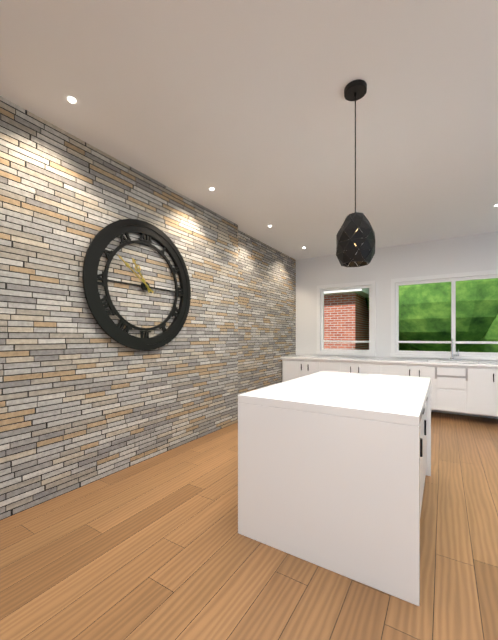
10:51
